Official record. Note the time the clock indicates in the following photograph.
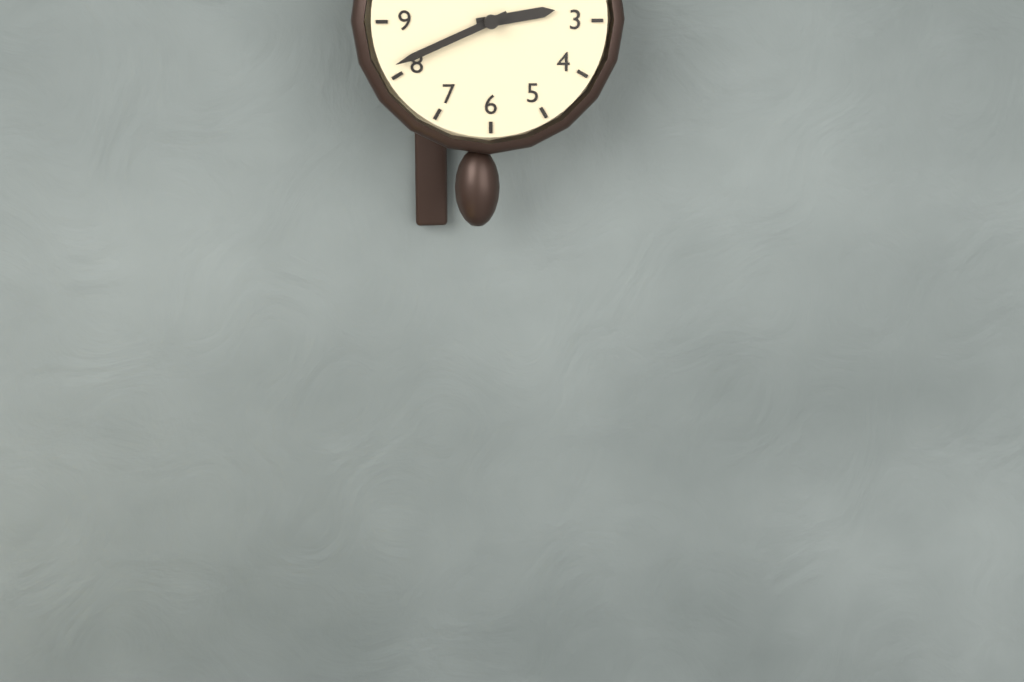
2:41
